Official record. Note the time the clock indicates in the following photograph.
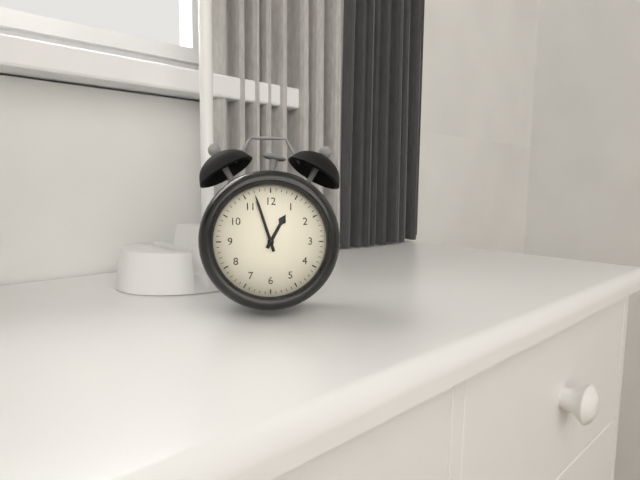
12:57
